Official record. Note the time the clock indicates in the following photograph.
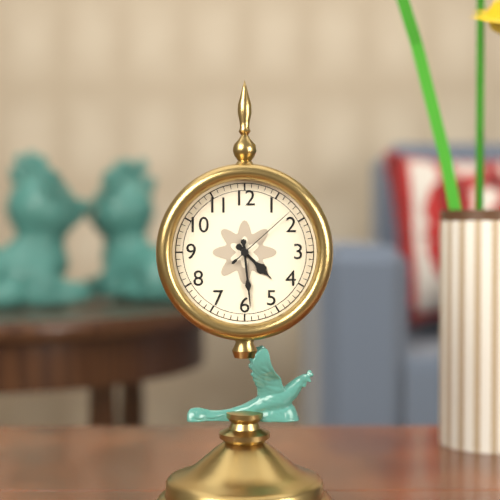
4:29:08
